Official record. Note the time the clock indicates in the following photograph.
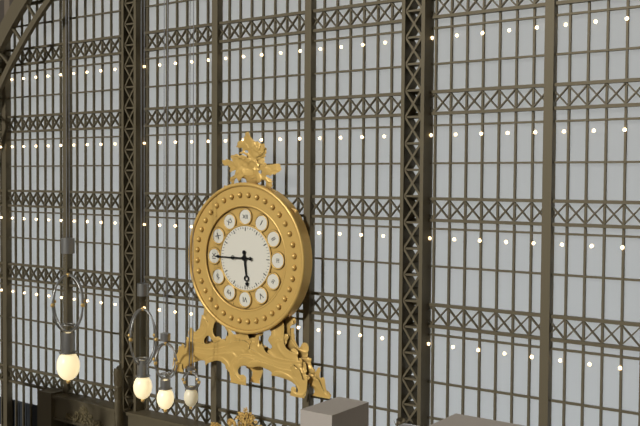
5:45
